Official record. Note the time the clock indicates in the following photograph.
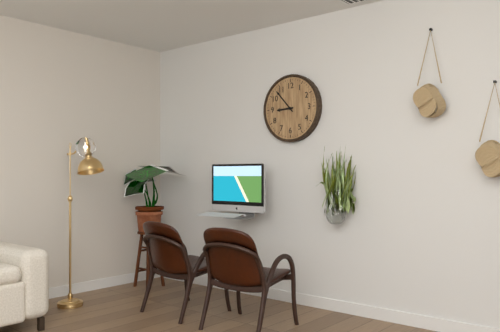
8:53
